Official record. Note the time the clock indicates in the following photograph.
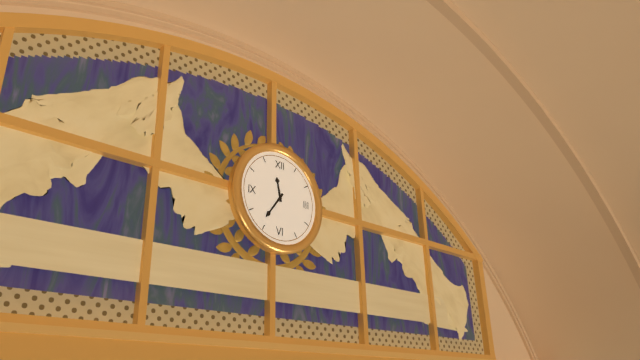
11:36
